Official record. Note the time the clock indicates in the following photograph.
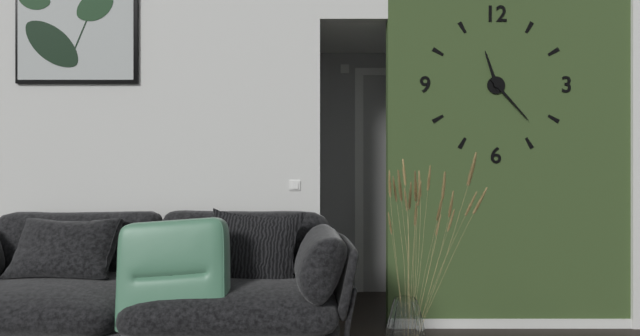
11:23
